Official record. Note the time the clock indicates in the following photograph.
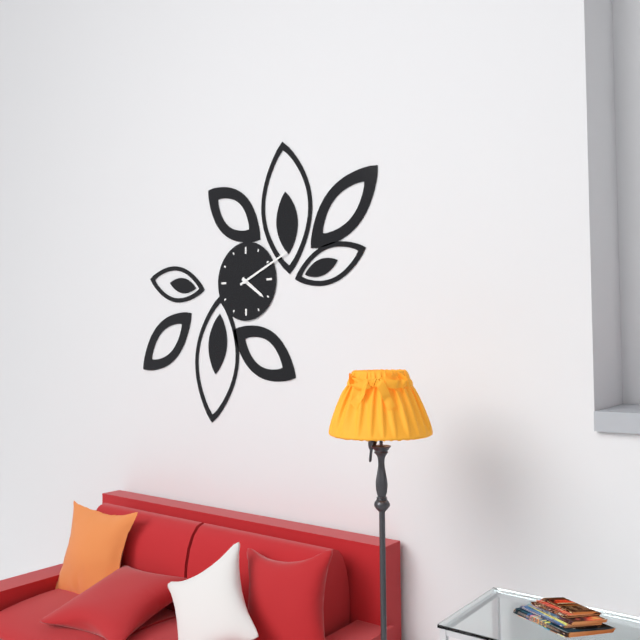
4:11
